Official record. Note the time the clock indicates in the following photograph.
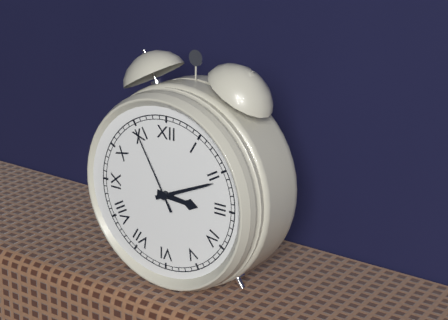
3:11:55
